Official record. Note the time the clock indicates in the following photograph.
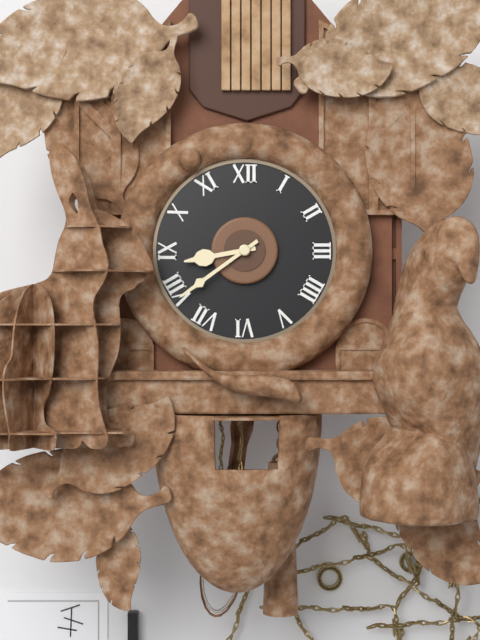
8:39
